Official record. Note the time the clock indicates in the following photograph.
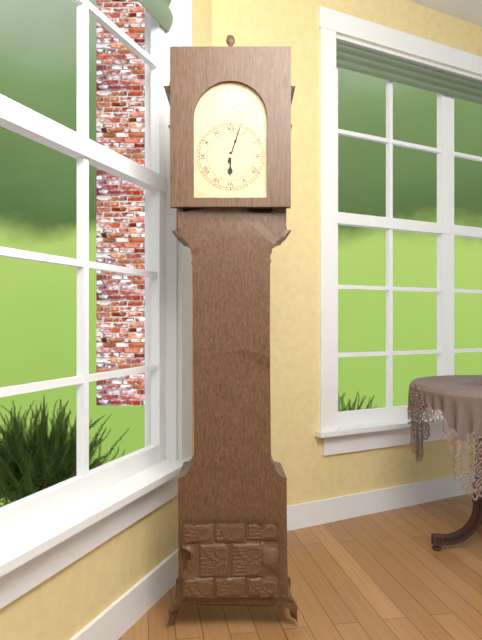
6:03
